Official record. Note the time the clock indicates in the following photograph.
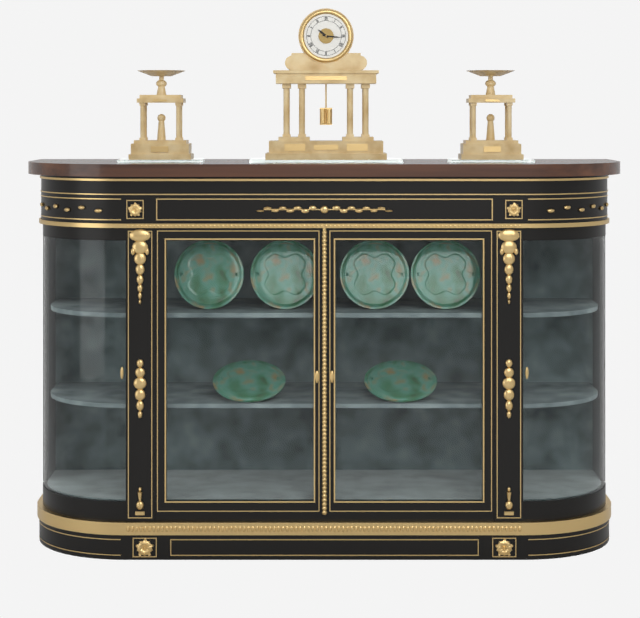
10:16
